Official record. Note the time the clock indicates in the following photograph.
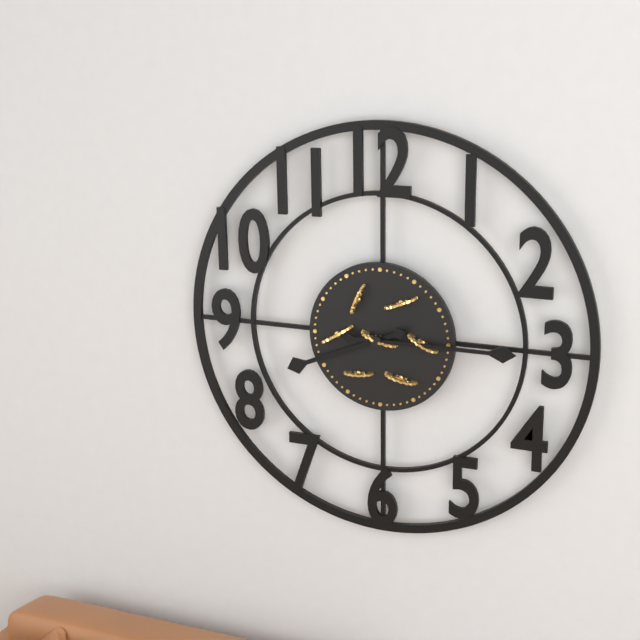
8:15
